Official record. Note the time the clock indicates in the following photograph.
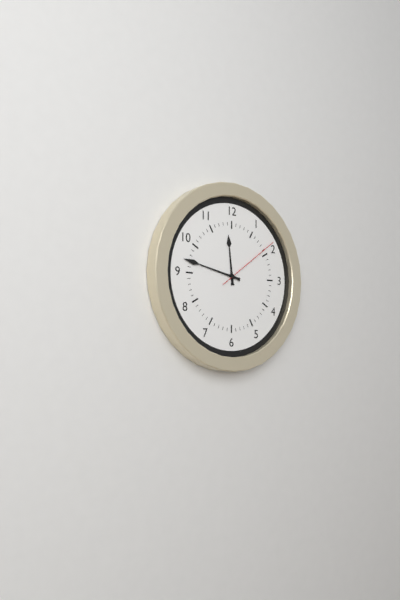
11:47:09
